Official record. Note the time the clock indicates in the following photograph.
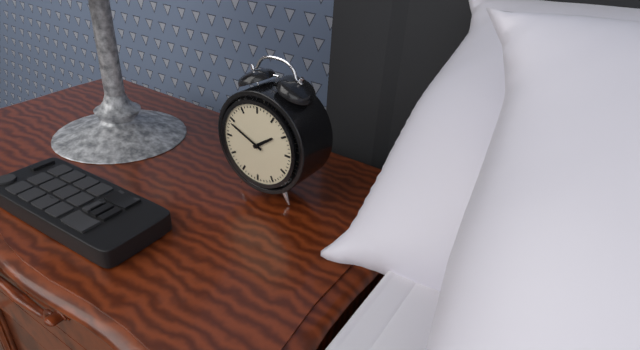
1:49
